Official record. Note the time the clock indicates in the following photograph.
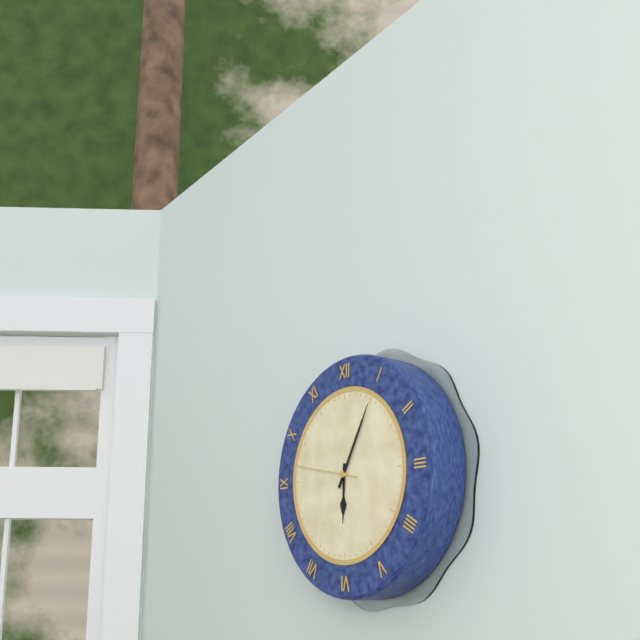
6:05:47
